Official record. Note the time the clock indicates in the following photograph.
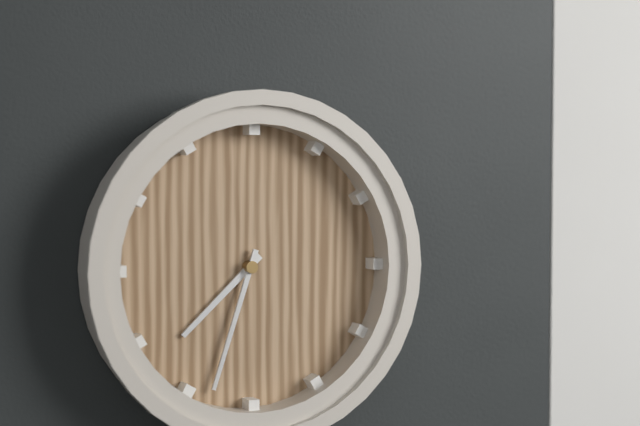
7:33
